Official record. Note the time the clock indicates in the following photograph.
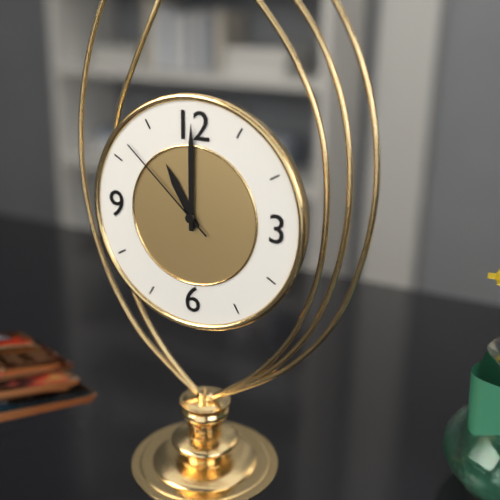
11:00:52
